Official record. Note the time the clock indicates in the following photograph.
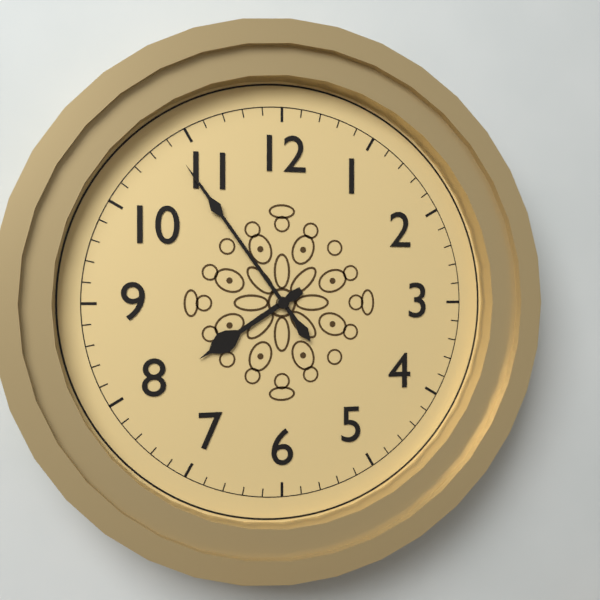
7:54
